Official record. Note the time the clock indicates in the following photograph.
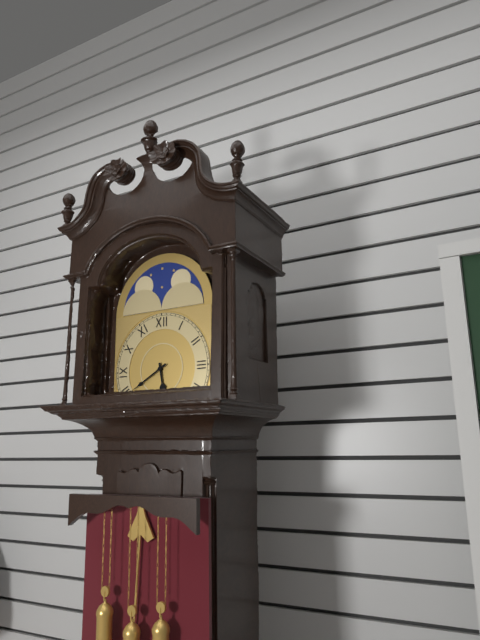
5:40
